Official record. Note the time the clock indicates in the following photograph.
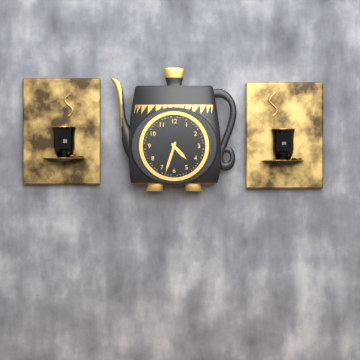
4:33
